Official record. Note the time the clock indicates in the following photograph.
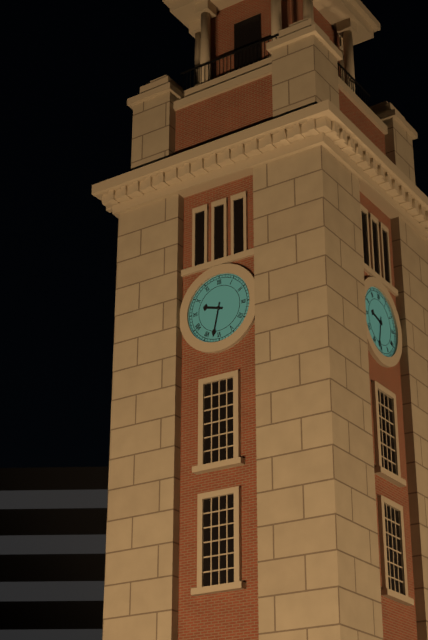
9:32
